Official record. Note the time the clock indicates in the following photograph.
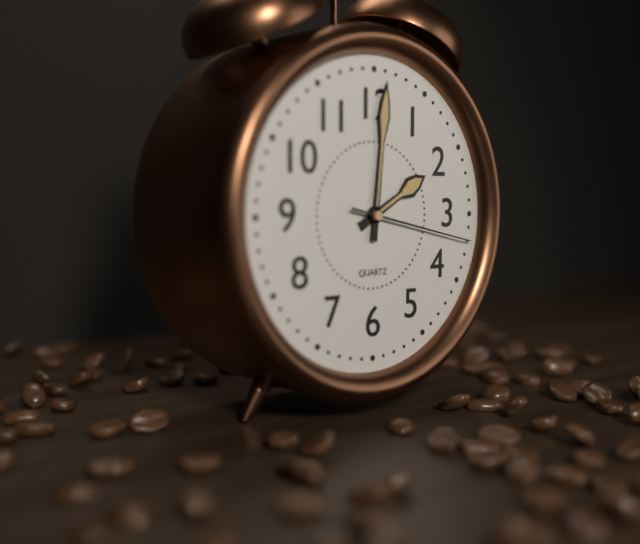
2:01:17
